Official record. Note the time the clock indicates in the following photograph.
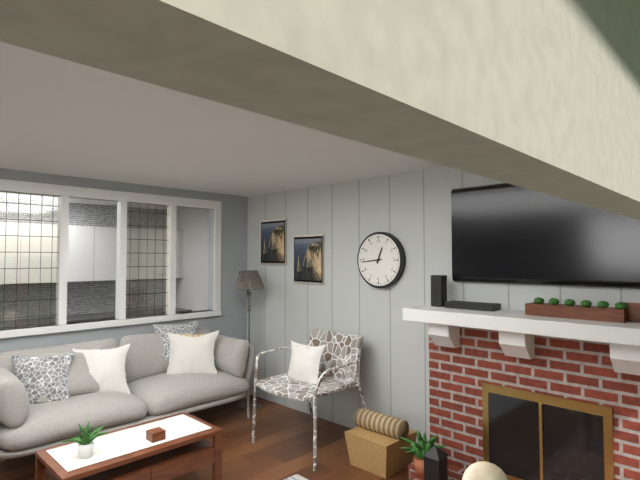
12:44
